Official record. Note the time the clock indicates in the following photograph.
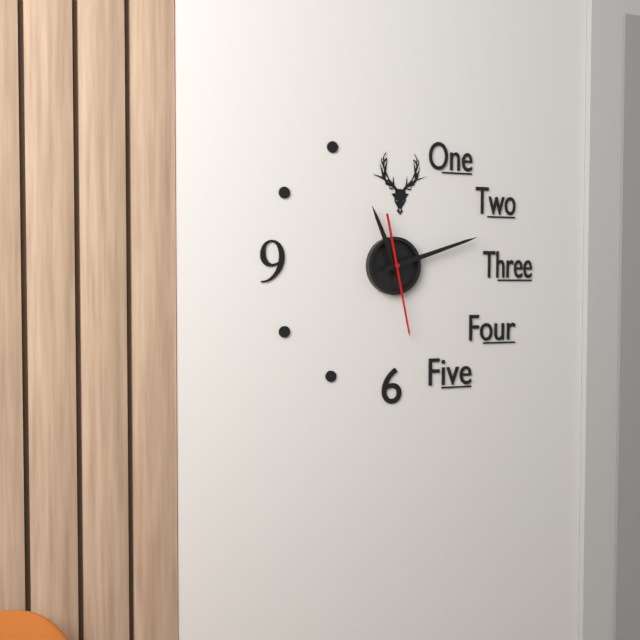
11:12:28
